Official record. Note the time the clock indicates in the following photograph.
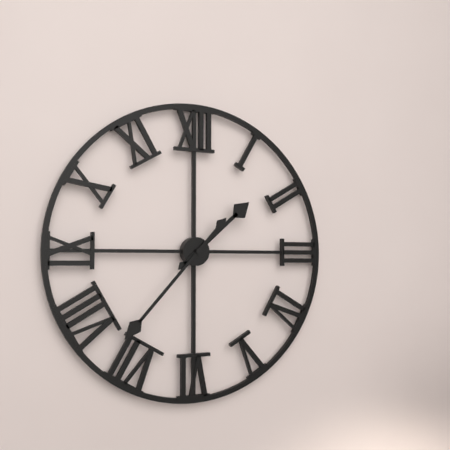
1:37
